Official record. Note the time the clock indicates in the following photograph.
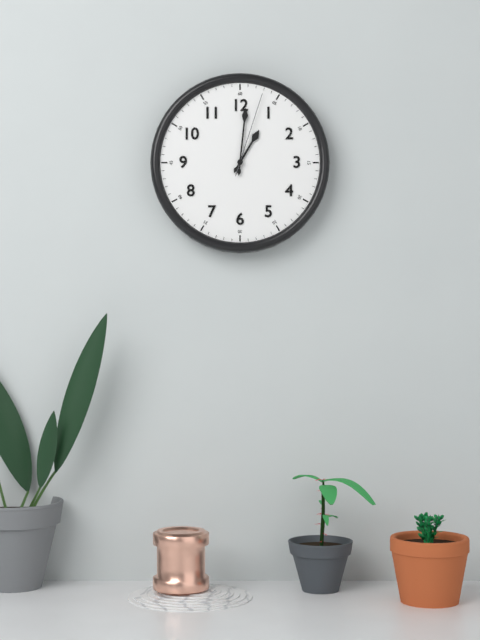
1:01:03
